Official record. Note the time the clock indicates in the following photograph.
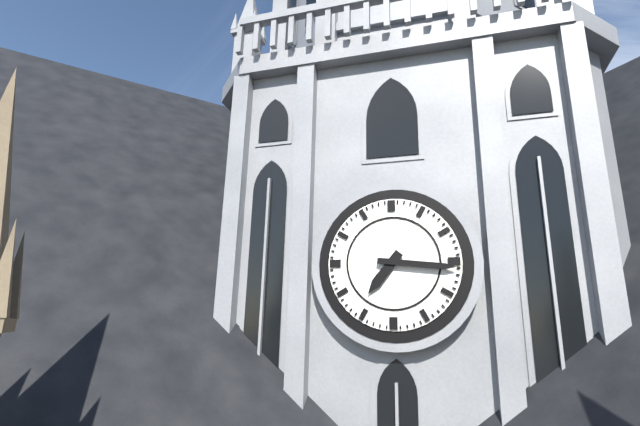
7:16
